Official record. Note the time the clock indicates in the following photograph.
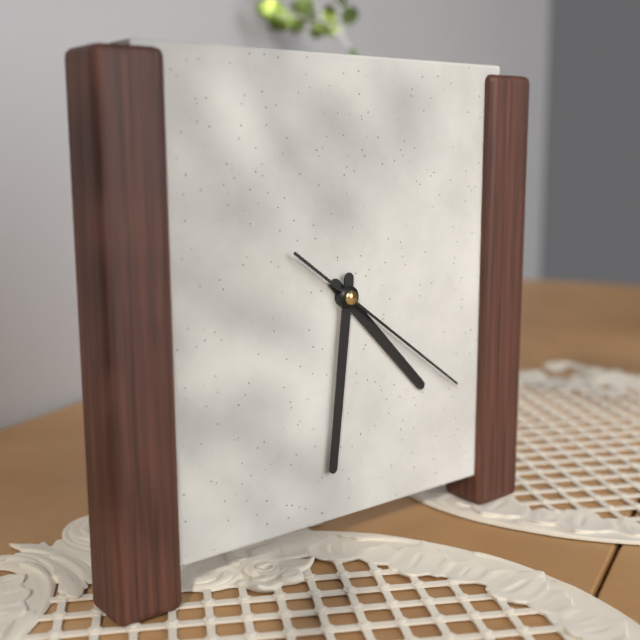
4:31:21
